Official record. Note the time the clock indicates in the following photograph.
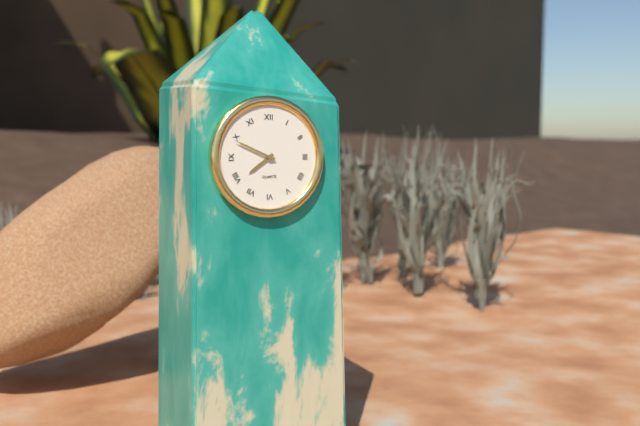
7:49
